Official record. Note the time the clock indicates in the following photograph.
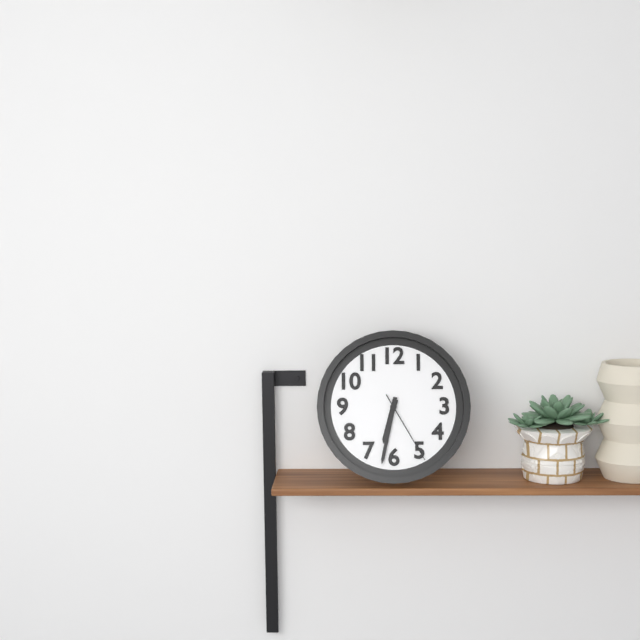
6:32:25
